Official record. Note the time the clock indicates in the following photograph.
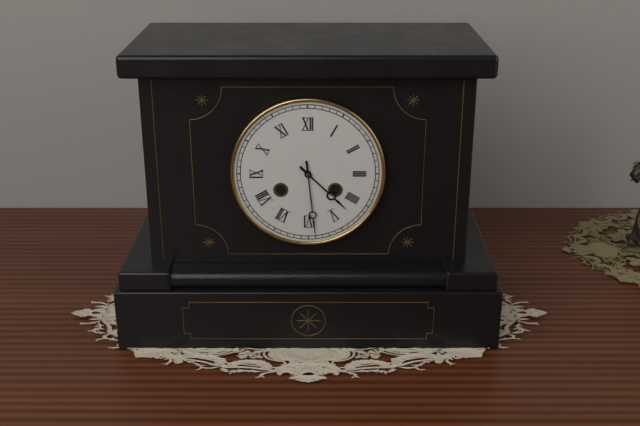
4:29
